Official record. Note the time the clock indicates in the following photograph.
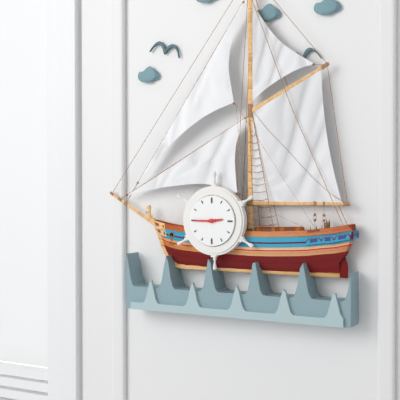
2:45
